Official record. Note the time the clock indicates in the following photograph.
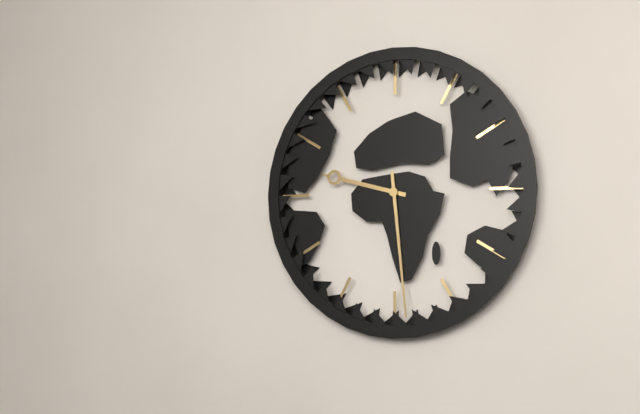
9:29
